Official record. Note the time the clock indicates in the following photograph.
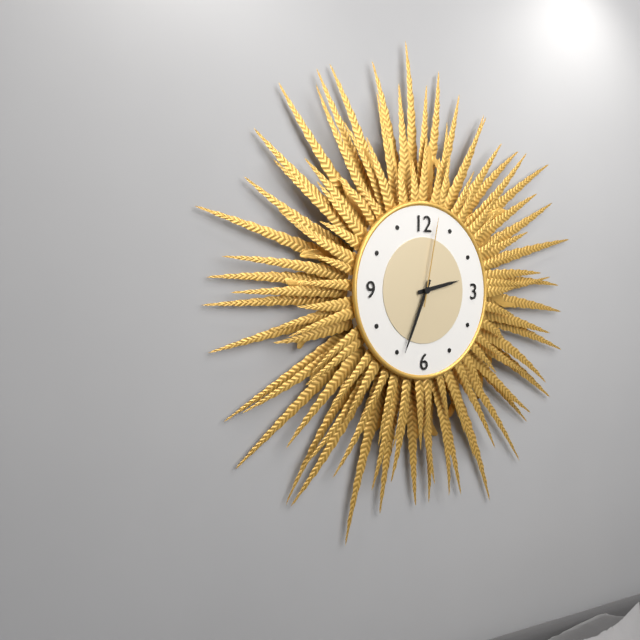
2:34:02
